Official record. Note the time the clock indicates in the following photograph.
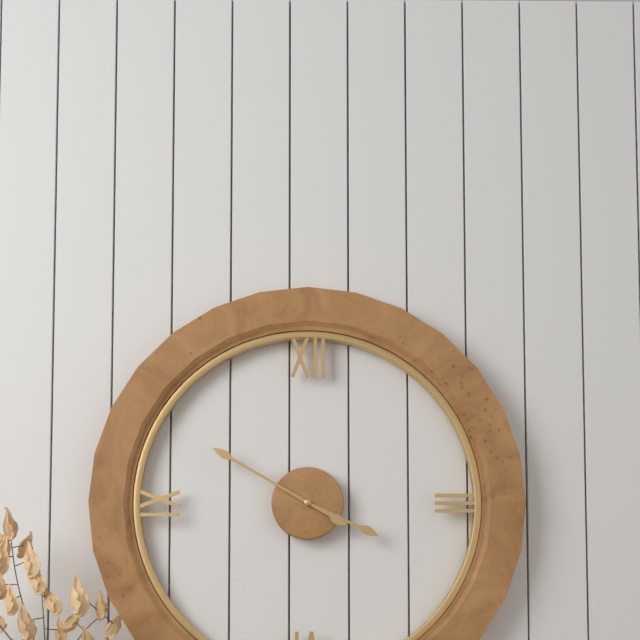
3:50
